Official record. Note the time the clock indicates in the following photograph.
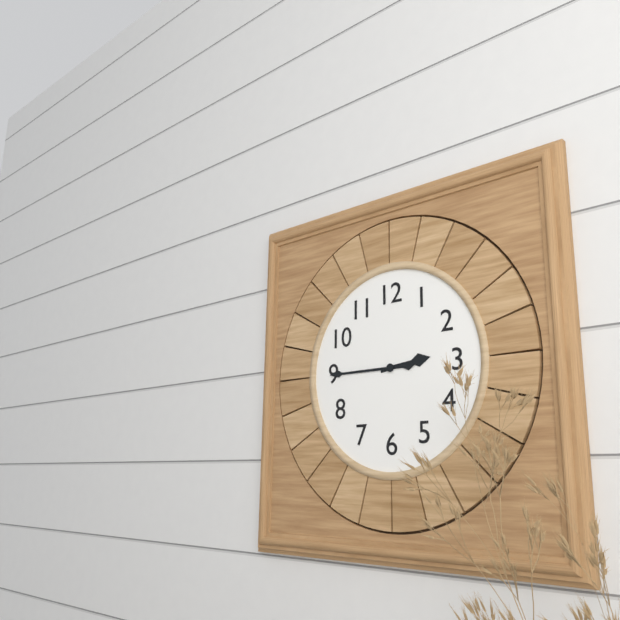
2:45
